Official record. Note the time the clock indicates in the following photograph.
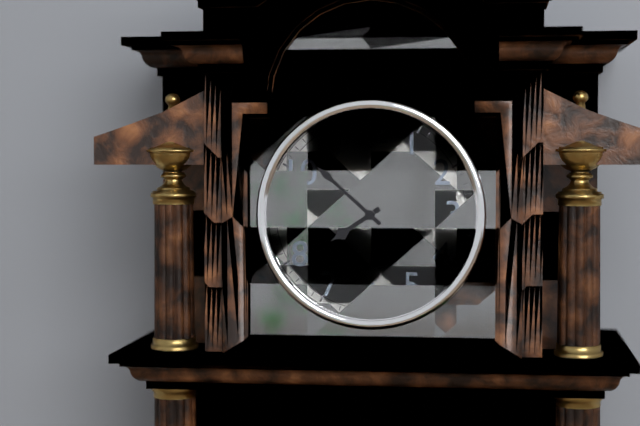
7:52
